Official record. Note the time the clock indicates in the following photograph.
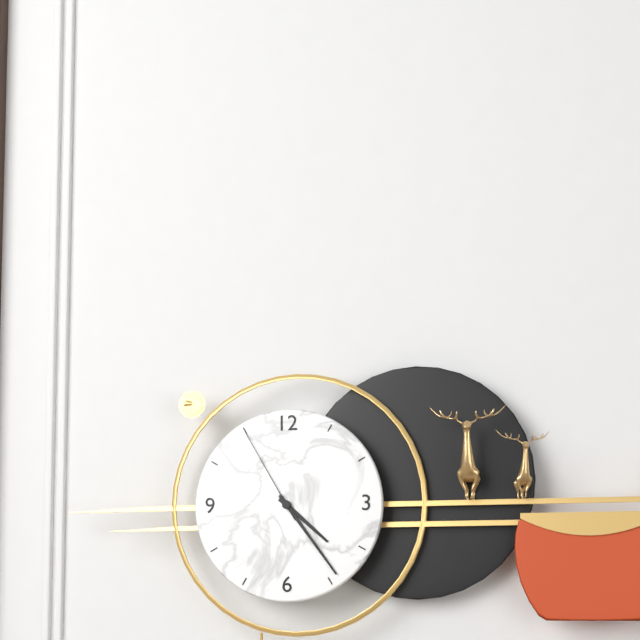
4:24:55
